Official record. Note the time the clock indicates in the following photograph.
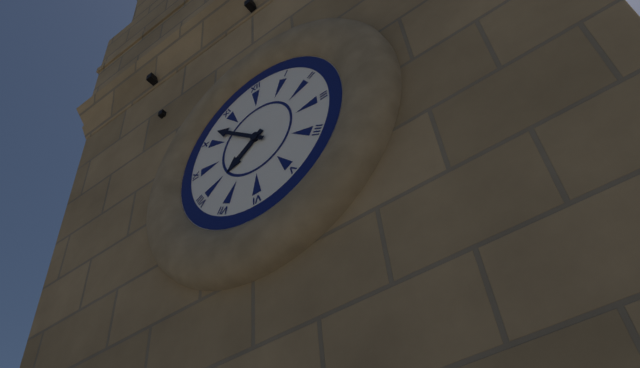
7:52
